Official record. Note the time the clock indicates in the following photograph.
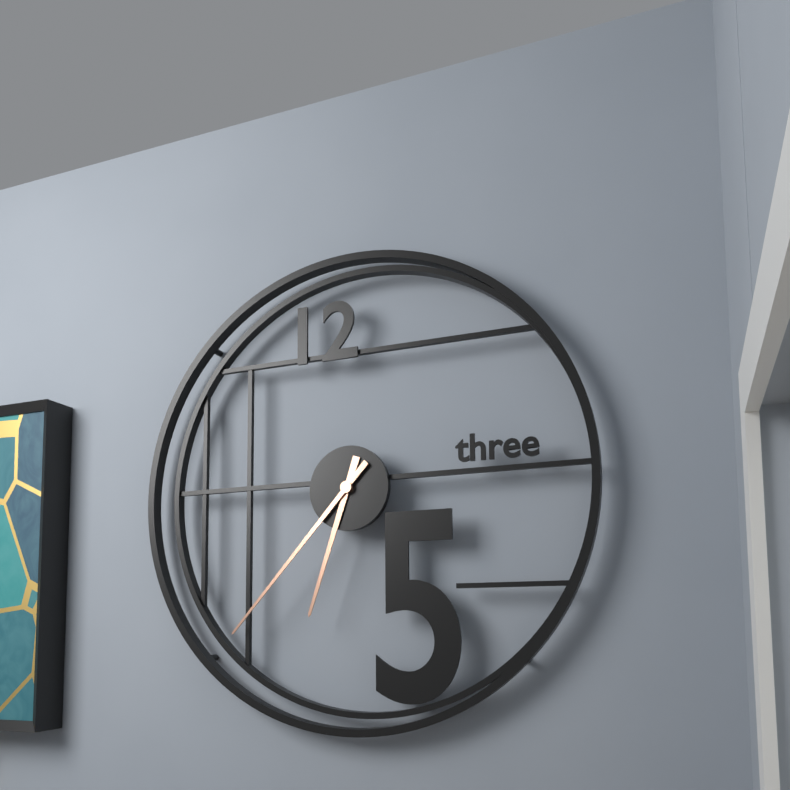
6:37
